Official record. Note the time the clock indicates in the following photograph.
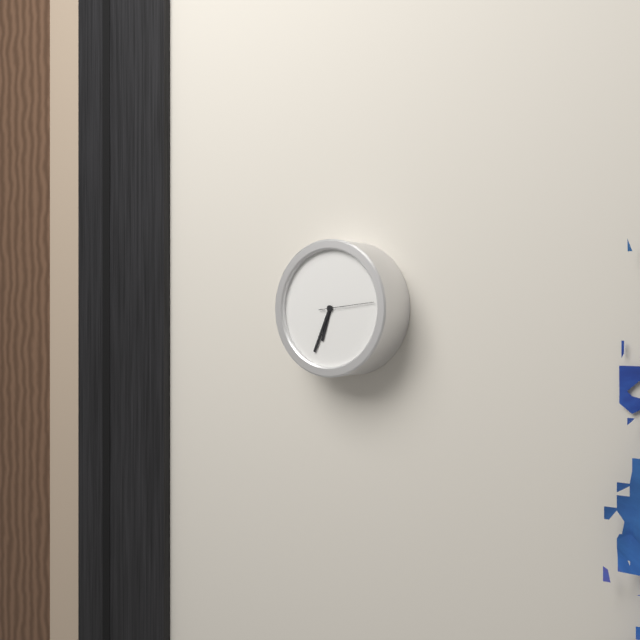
6:34
